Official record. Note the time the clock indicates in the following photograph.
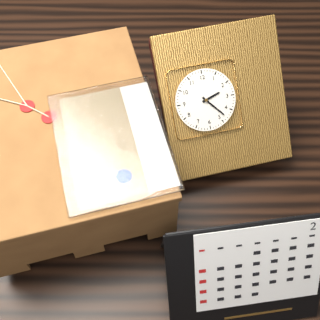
2:23
